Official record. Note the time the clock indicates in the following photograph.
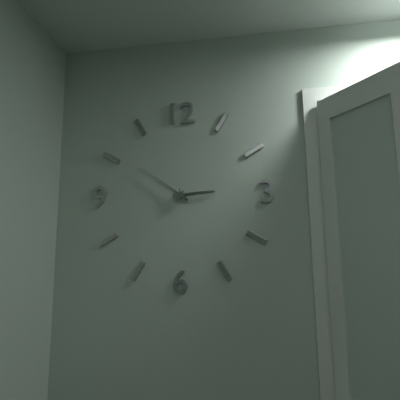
2:51
